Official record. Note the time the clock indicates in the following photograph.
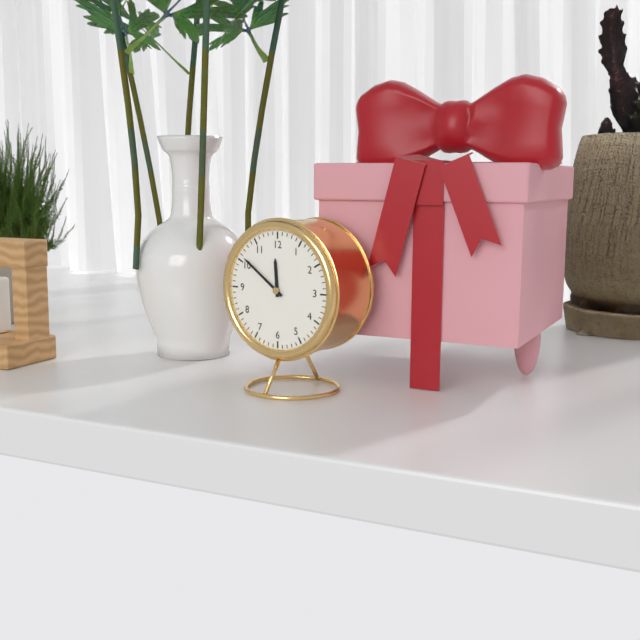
11:51
